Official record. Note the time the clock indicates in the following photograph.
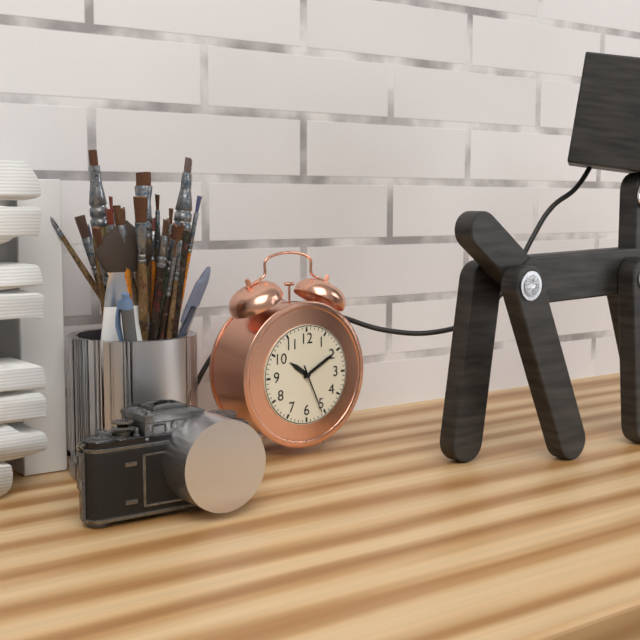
10:10
